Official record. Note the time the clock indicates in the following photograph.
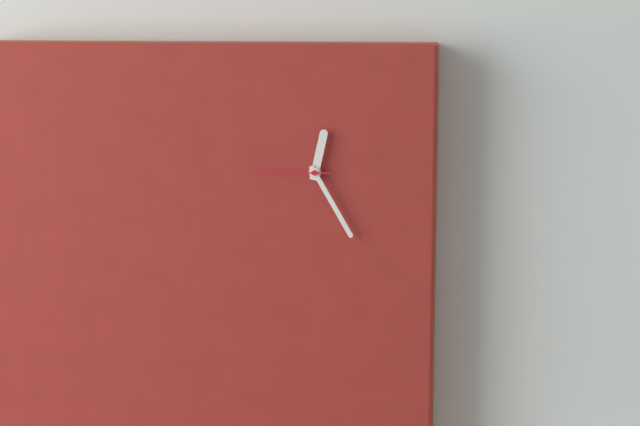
12:25:45
